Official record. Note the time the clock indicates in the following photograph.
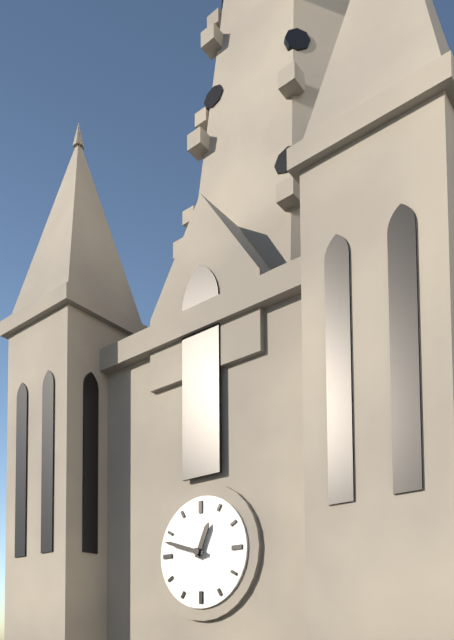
12:48
